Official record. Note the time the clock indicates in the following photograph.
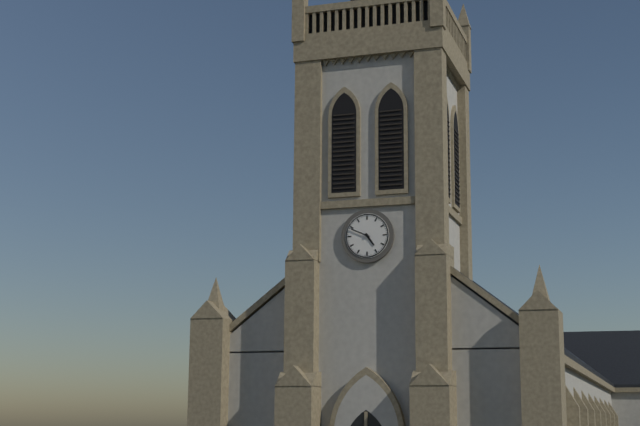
4:49
